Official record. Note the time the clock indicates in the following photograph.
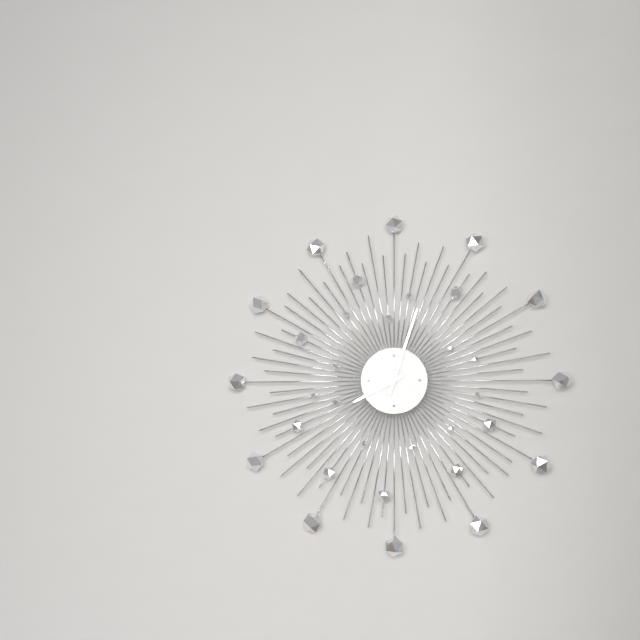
8:03
